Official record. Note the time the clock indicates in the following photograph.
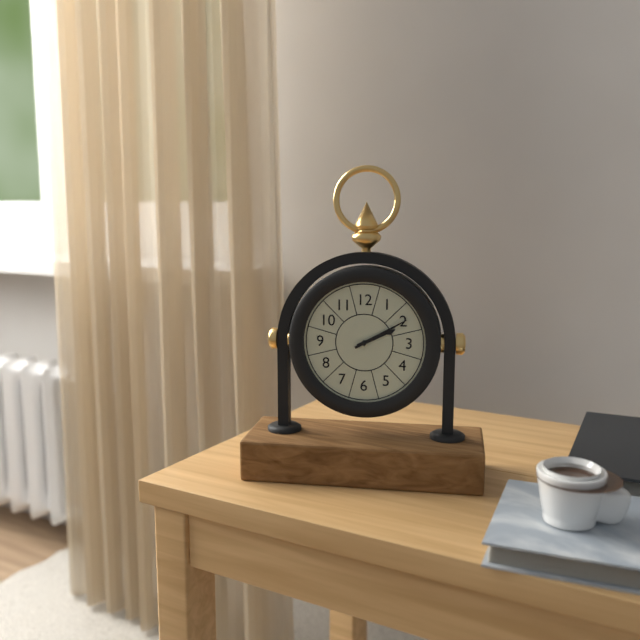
2:10
